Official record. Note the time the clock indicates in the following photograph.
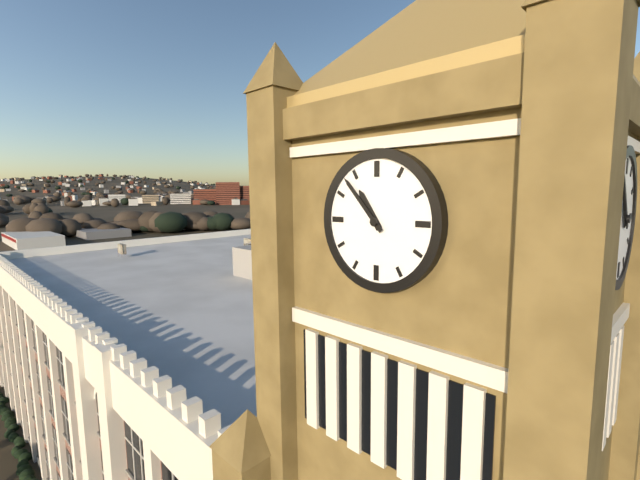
10:53
